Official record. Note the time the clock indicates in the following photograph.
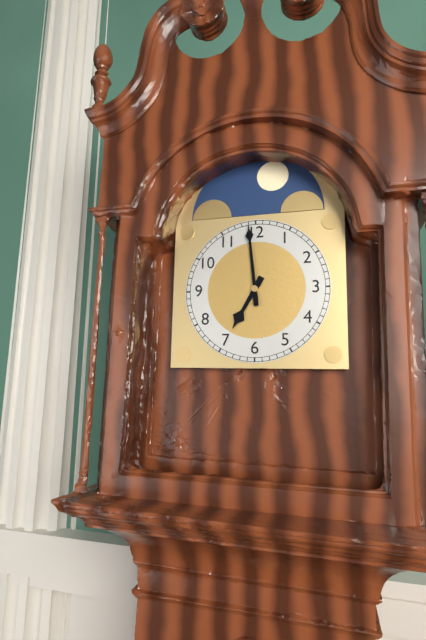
6:59
